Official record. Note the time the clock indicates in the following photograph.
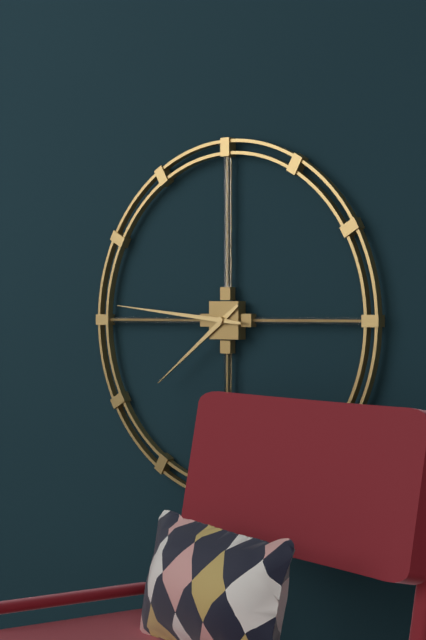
7:46
